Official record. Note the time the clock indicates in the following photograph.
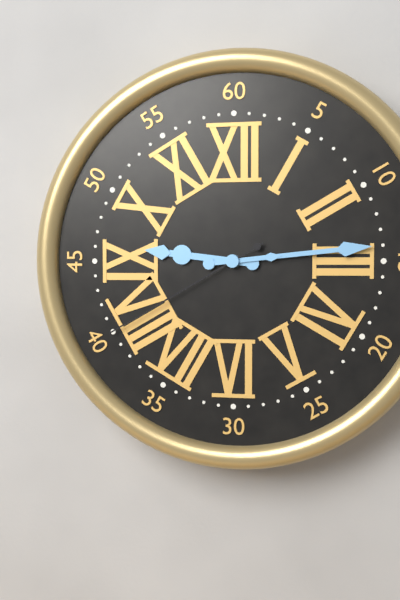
9:14:40
